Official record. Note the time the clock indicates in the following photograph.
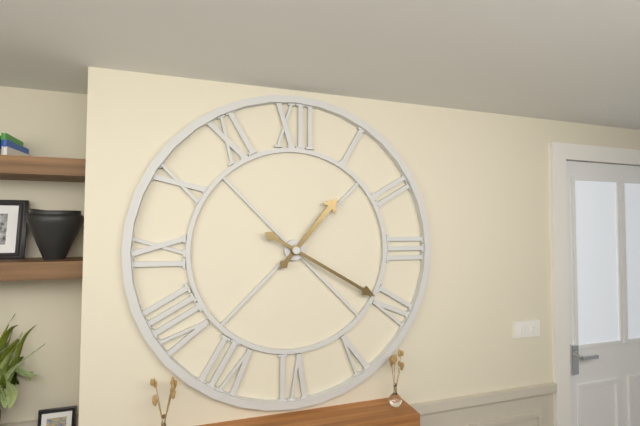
1:20
